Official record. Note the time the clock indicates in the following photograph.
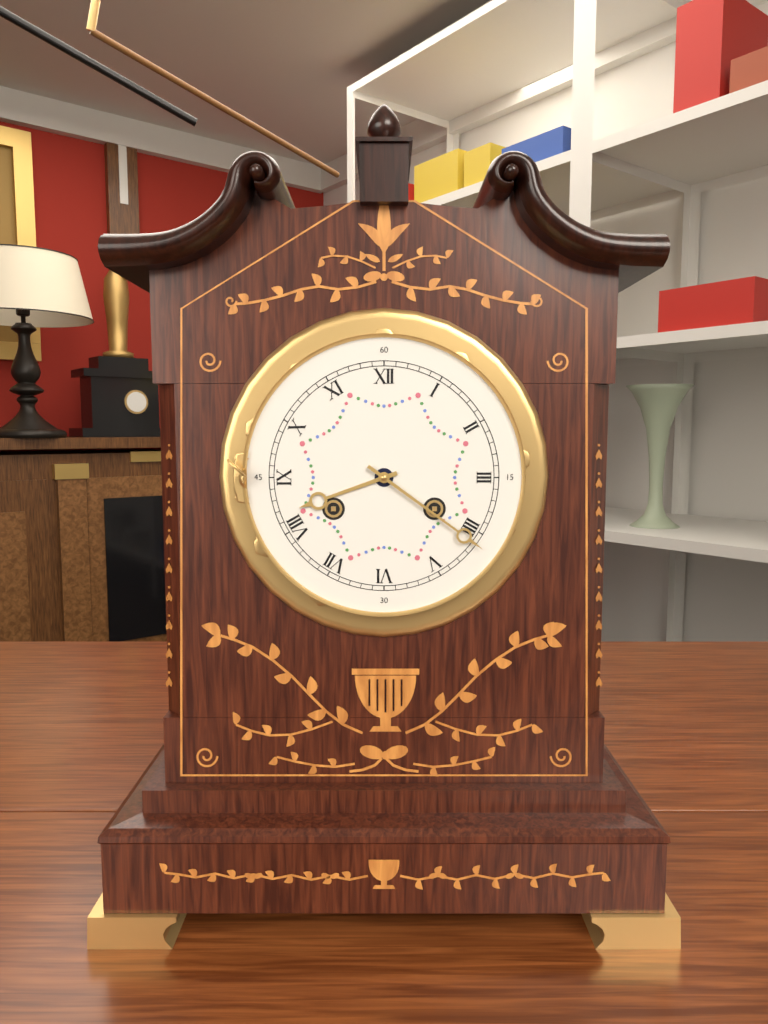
8:21
